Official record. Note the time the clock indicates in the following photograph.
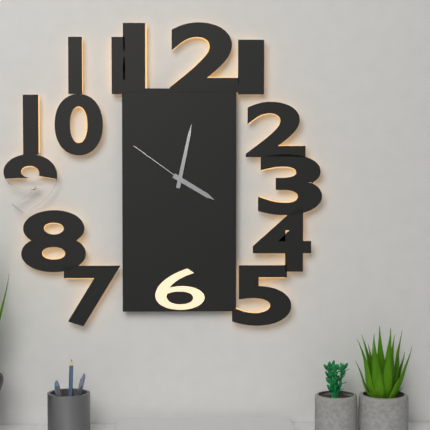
4:02:51
